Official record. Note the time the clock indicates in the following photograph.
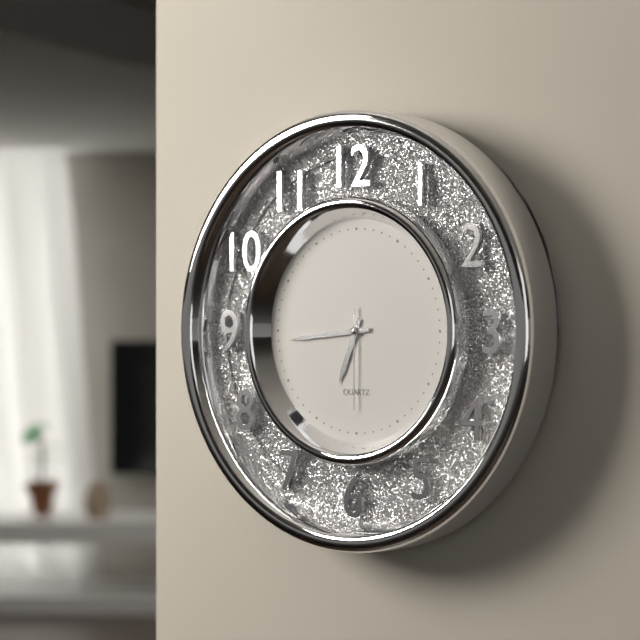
6:44:30
